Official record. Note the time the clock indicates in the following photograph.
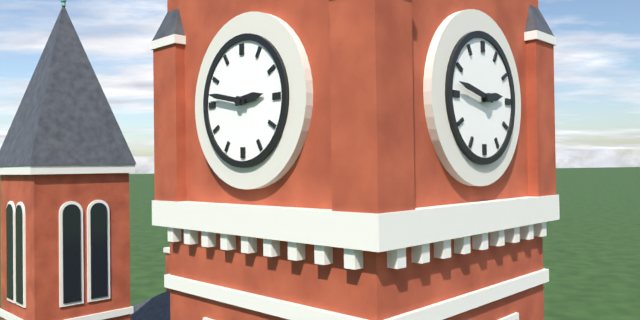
2:47
